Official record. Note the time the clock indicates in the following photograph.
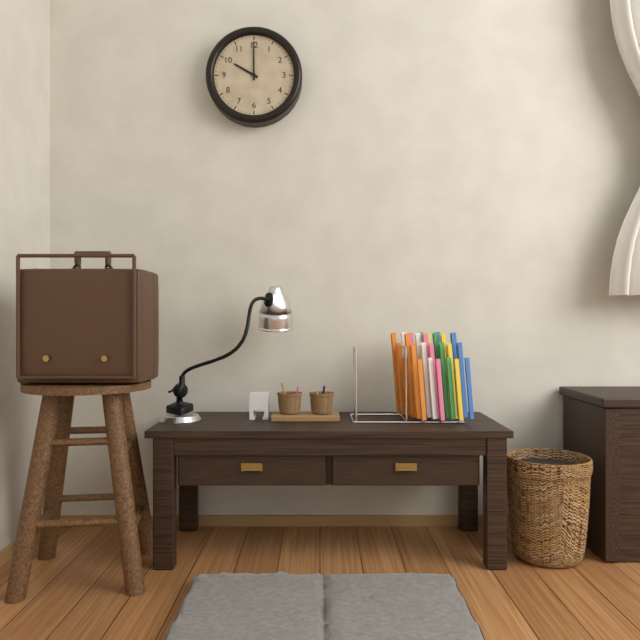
10:00
